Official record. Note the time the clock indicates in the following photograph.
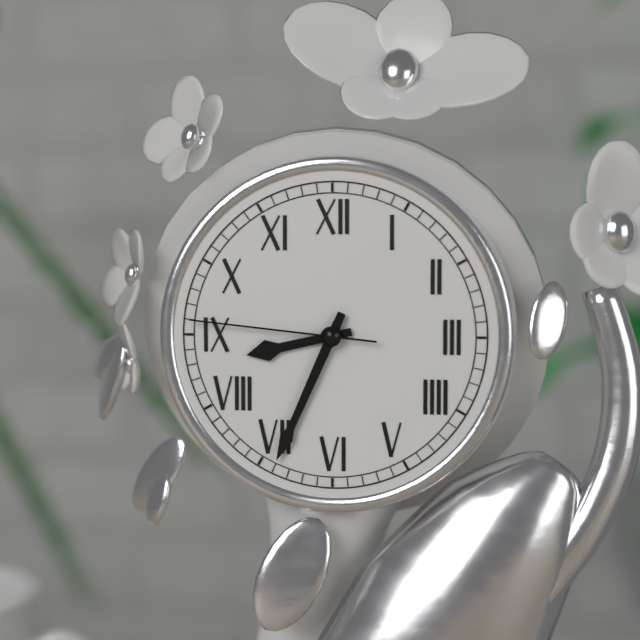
8:34:46
